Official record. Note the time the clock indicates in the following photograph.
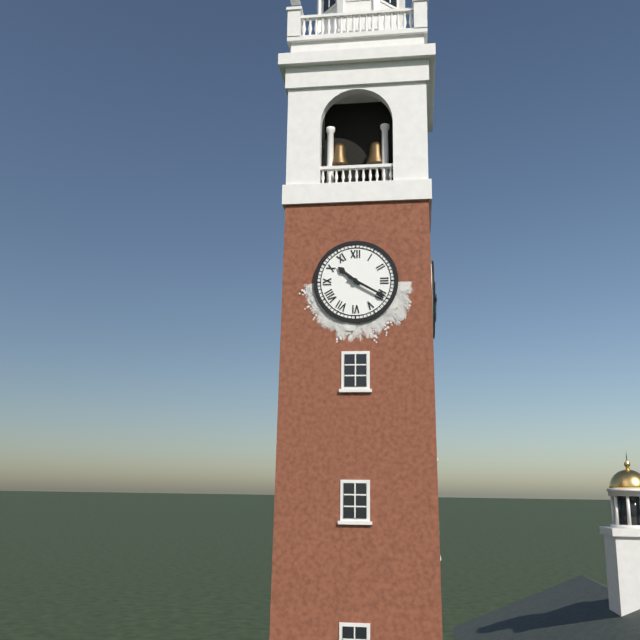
10:20
